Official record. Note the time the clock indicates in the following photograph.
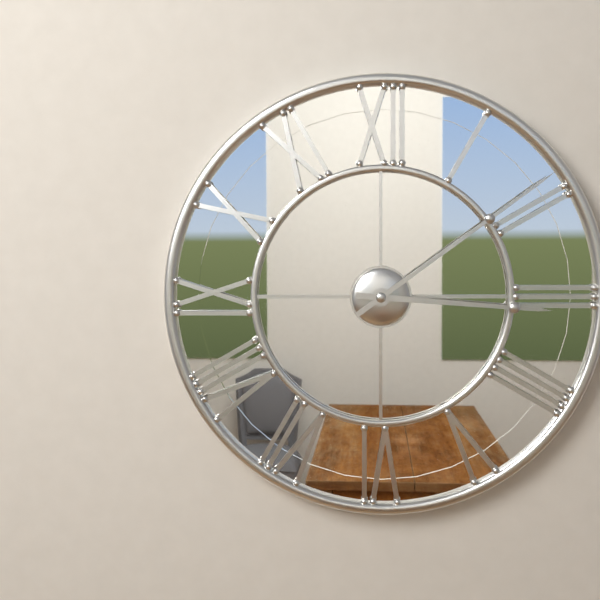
3:09
